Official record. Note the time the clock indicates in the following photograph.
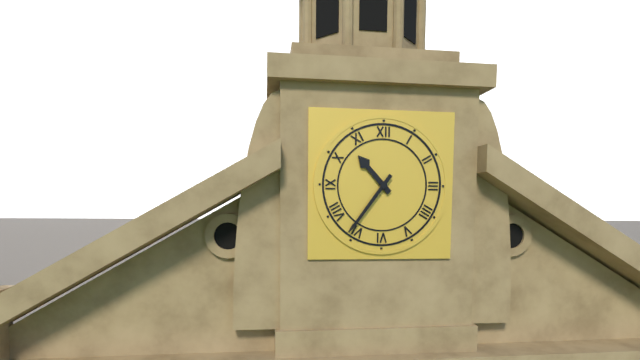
10:36
